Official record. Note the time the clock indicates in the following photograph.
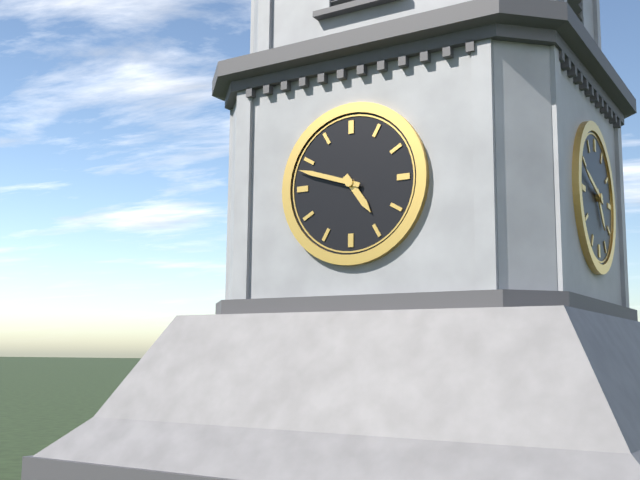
4:48
